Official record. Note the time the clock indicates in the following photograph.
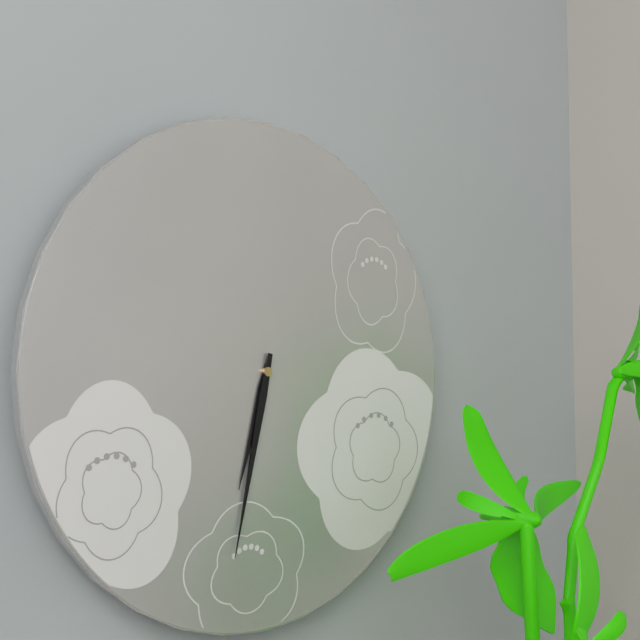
6:32
